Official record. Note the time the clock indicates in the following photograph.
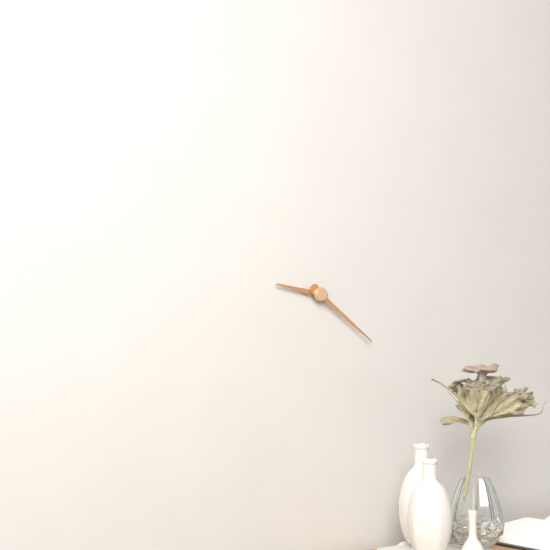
9:21
